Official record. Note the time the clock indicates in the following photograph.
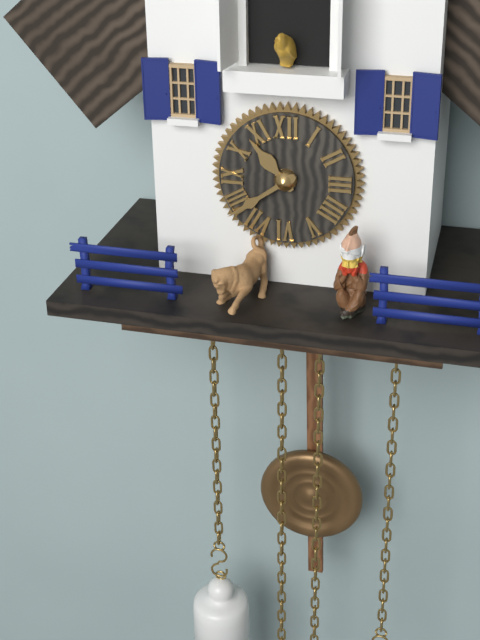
10:39
